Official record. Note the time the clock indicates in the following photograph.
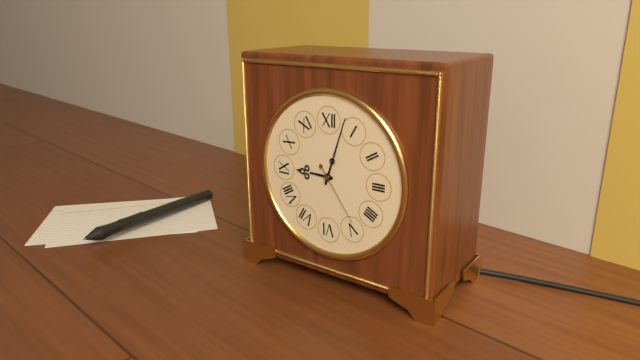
9:03:24
